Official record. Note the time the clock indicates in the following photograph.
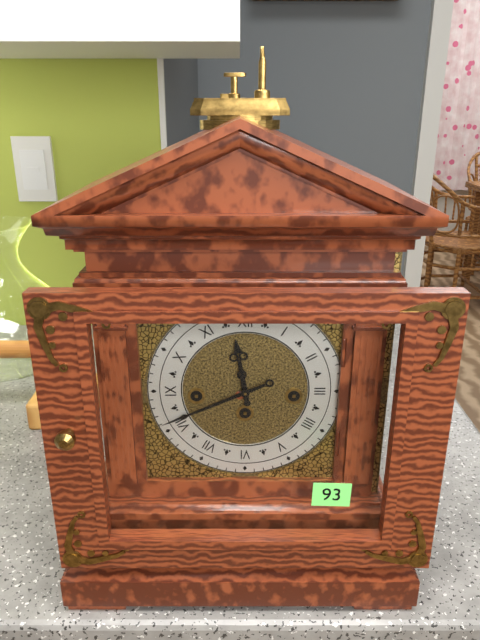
11:41
